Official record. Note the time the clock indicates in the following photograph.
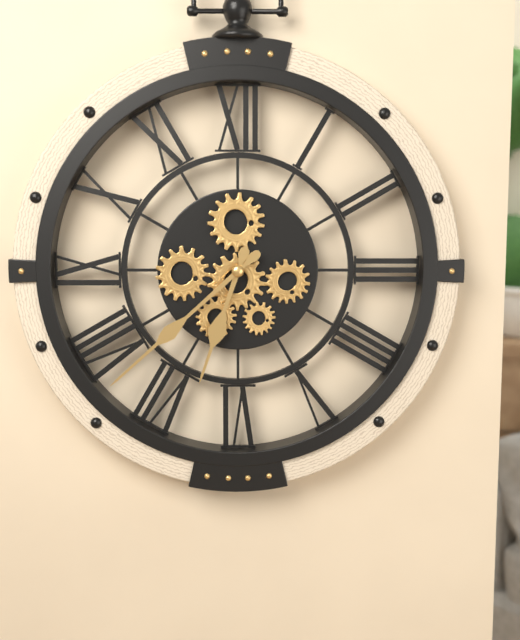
6:38
